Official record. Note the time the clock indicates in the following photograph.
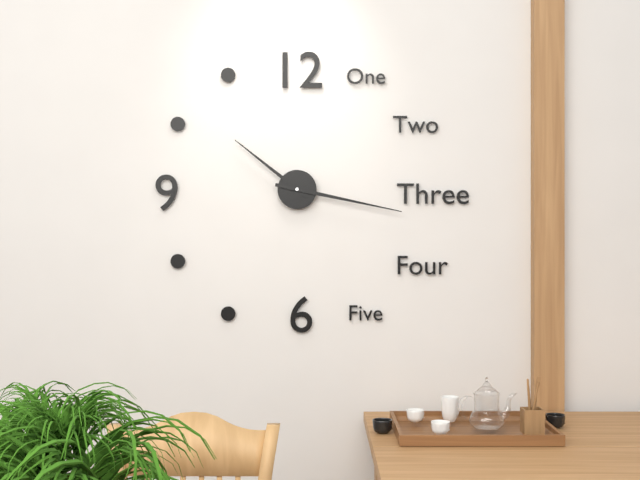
10:17
